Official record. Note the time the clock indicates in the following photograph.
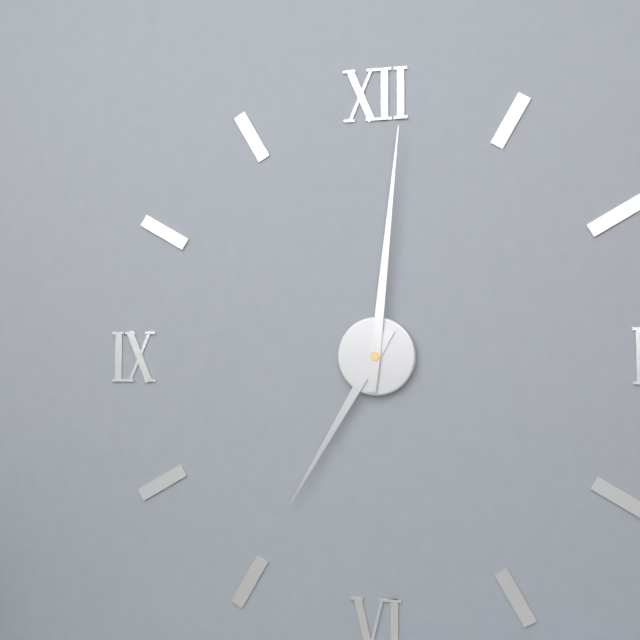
7:01
